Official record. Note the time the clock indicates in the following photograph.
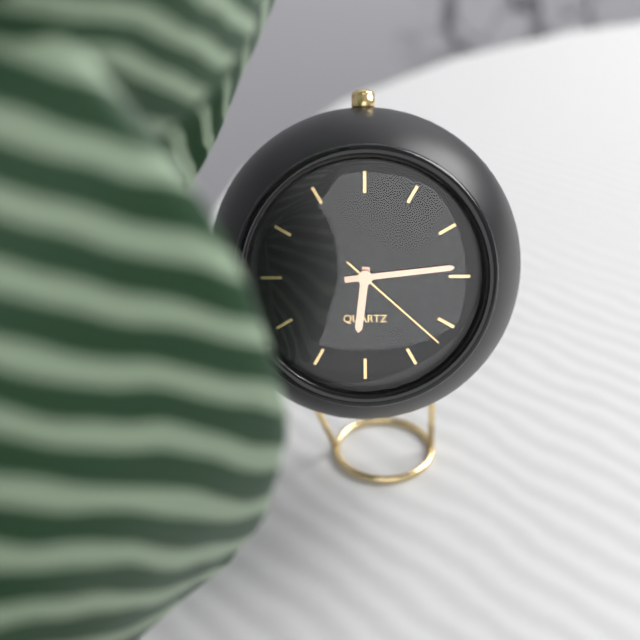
6:14:22
